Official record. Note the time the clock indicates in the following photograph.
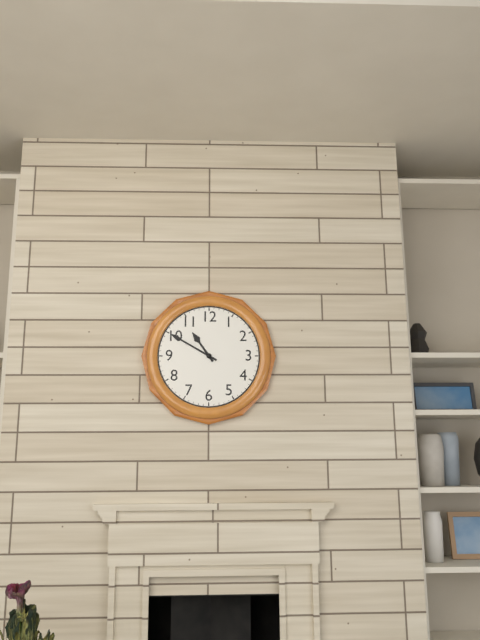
10:50
